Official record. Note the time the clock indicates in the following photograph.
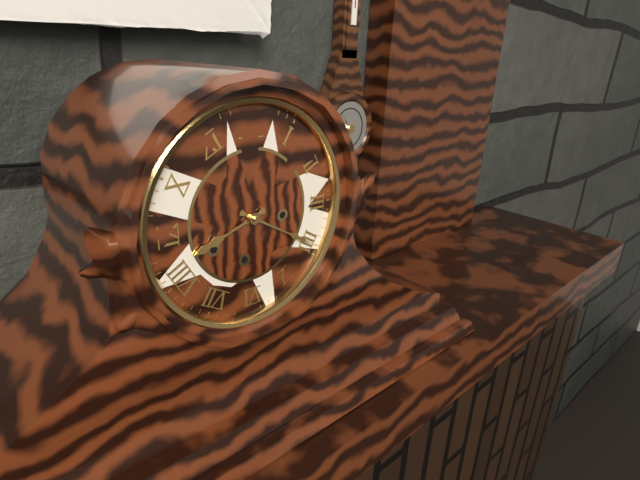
8:20
